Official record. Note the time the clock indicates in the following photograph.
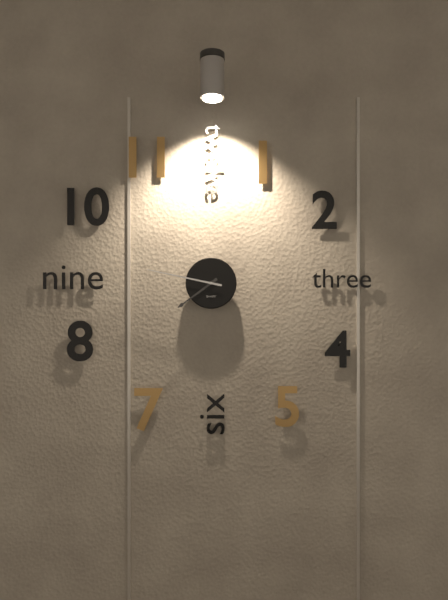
7:47
